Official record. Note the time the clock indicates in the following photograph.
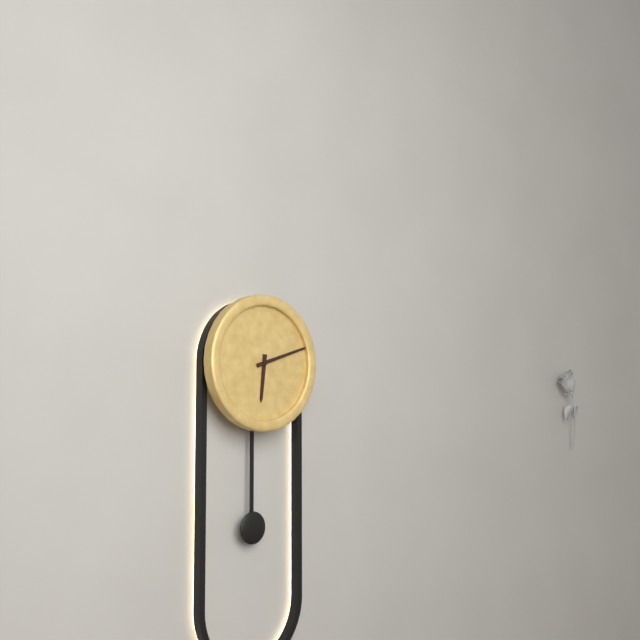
6:12
